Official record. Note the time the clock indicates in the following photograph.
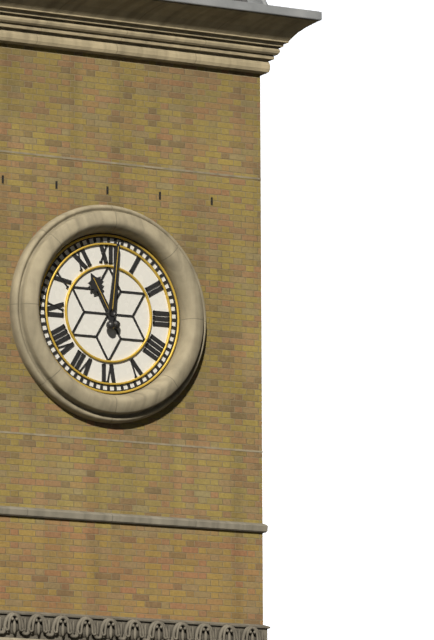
11:01
